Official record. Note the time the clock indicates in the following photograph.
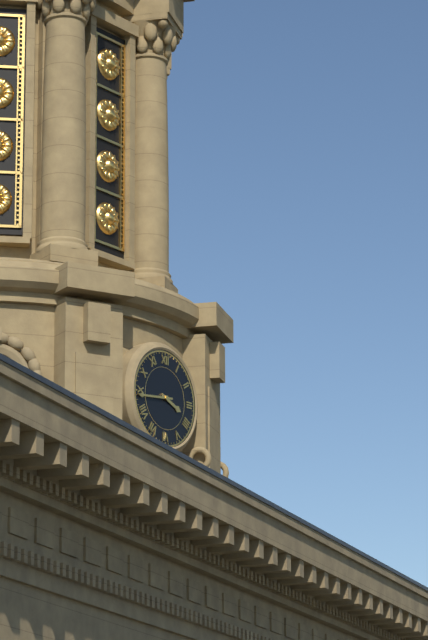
3:44
